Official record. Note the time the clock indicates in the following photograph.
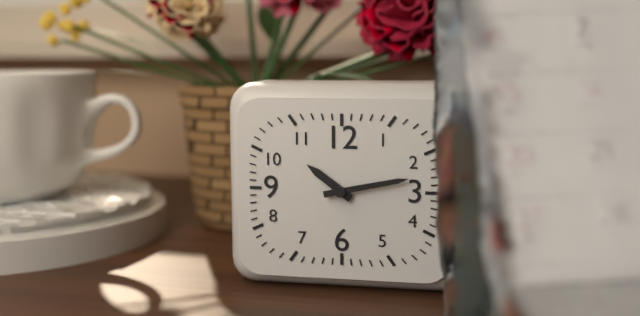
10:13
